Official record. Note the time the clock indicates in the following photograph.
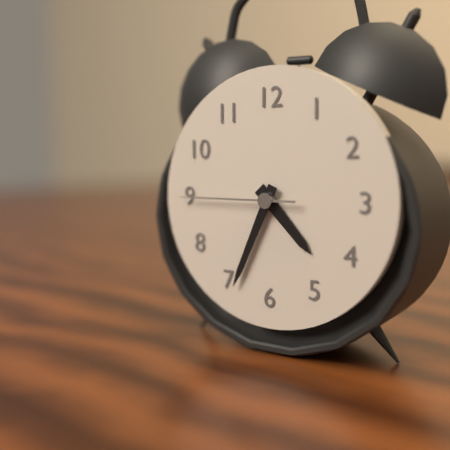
4:34:45
